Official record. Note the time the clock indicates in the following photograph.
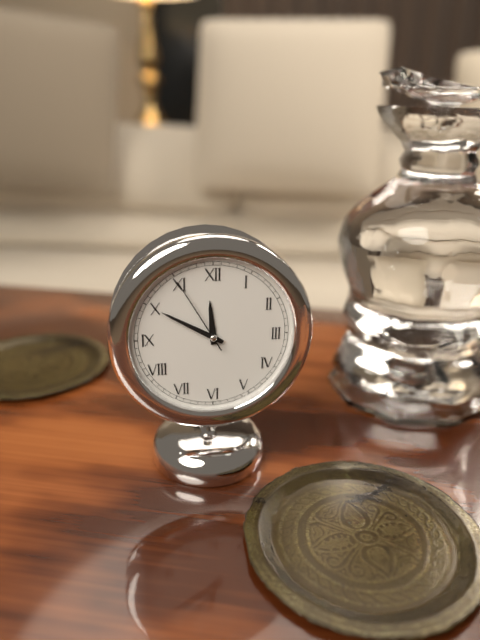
11:50:55
